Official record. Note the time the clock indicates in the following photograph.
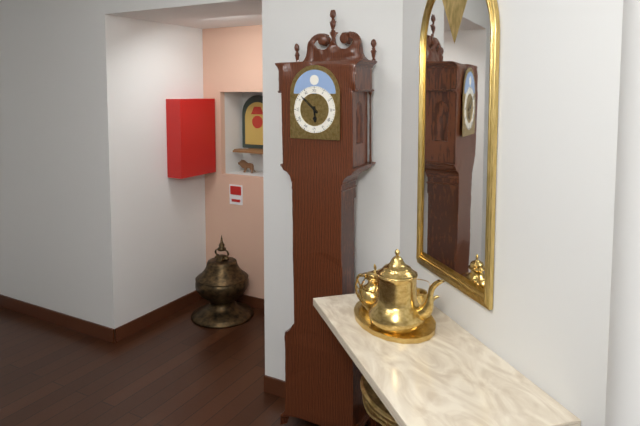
5:52
